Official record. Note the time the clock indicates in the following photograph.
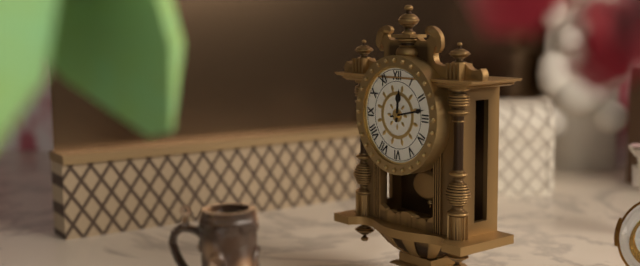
12:13
